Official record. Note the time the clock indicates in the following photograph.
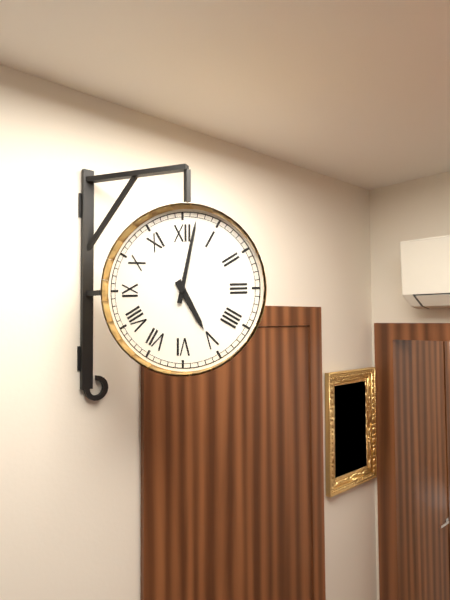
5:02
